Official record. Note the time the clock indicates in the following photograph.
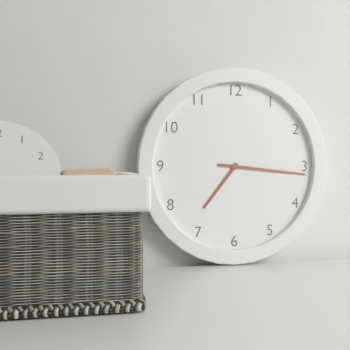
7:16
